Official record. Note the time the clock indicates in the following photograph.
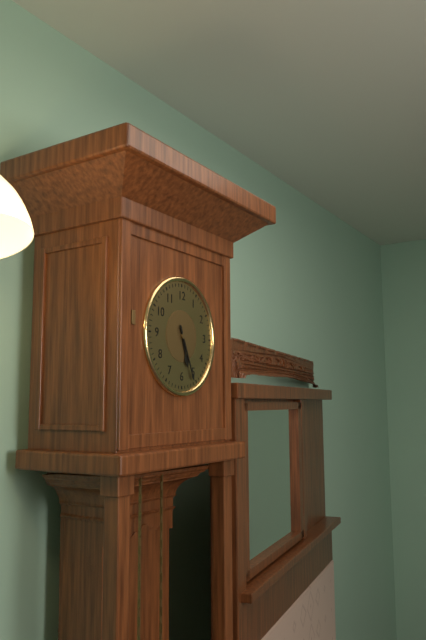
5:26
